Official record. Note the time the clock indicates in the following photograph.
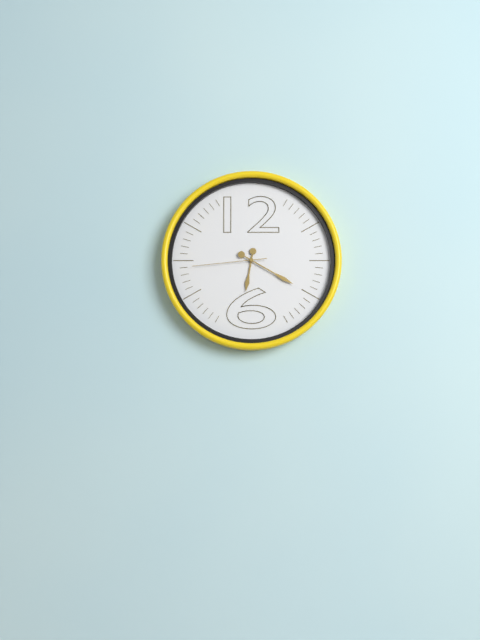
6:20:44
